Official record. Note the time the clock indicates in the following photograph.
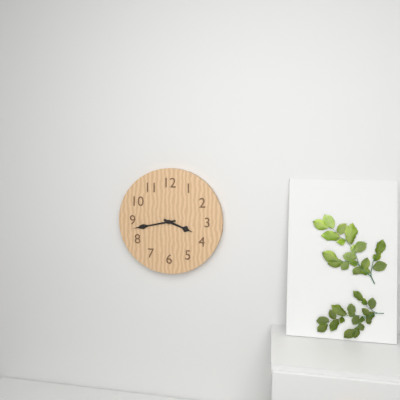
3:43
